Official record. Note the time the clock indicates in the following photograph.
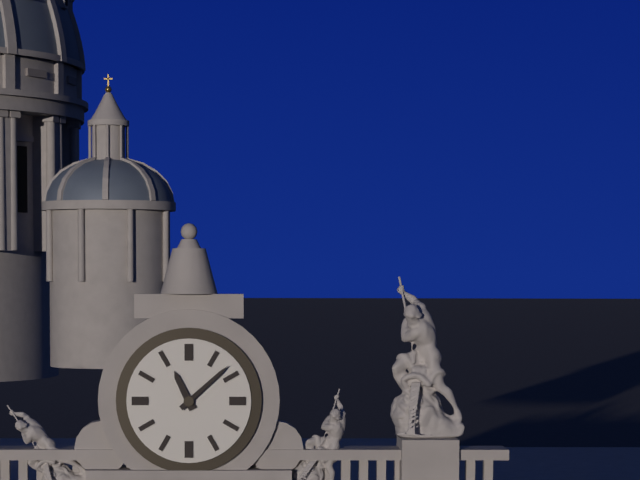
11:08
